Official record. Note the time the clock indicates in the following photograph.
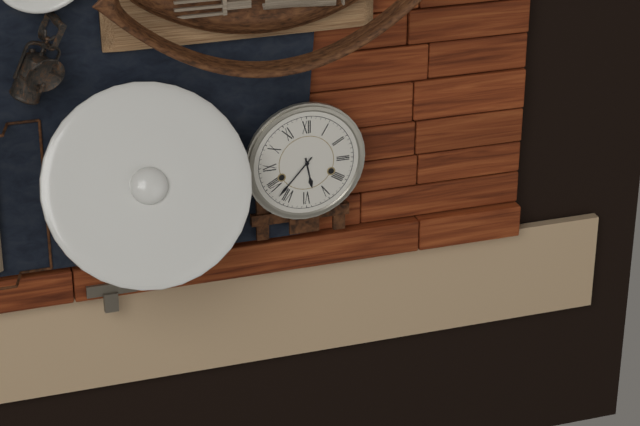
5:37
